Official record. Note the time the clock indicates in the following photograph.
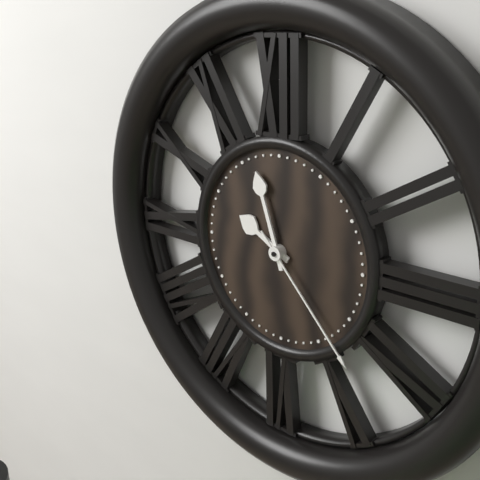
9:57:23
